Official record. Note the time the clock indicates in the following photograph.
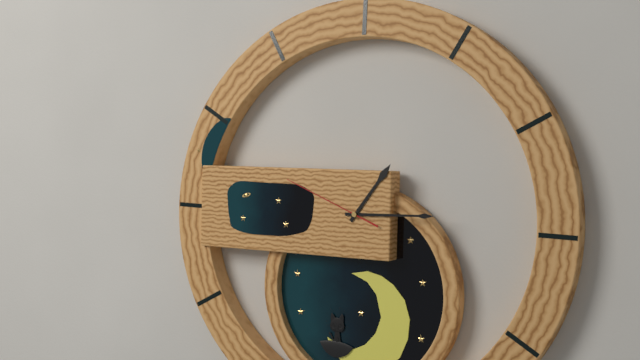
1:15:49
